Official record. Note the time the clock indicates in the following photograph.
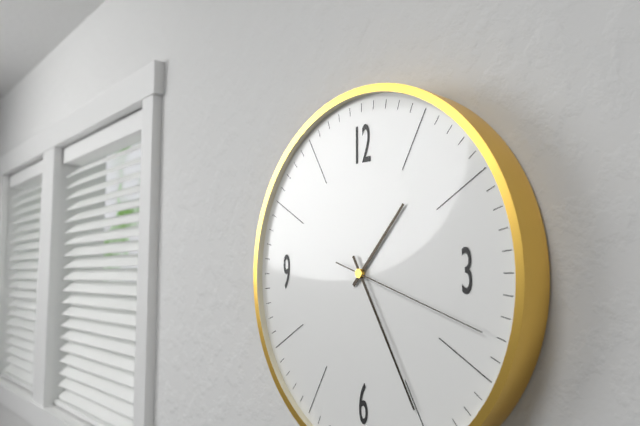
1:25:18
